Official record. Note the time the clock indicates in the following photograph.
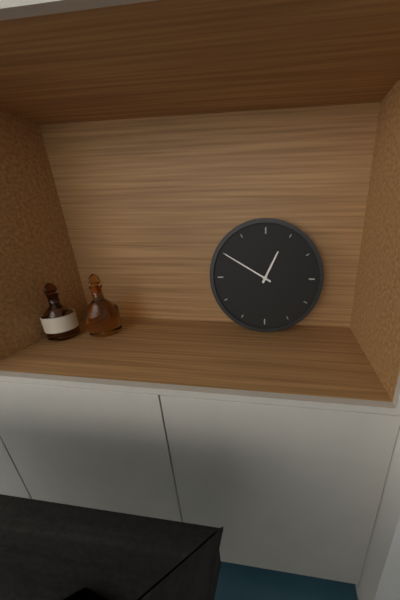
12:50
